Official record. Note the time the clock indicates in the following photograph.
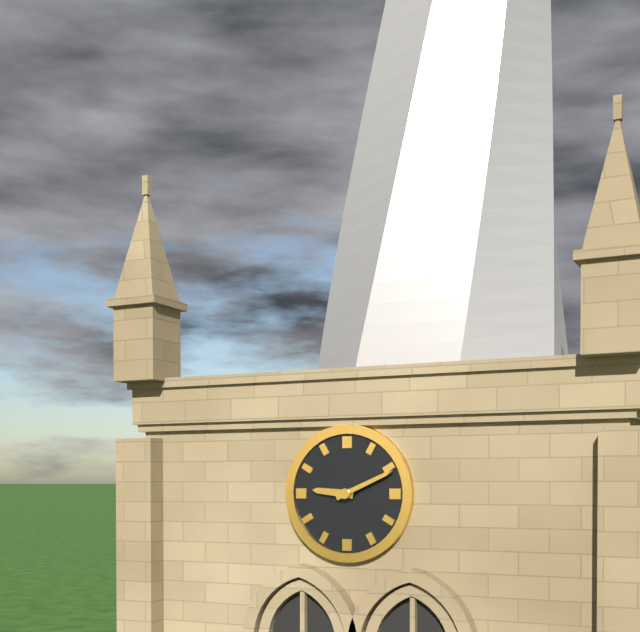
9:11
